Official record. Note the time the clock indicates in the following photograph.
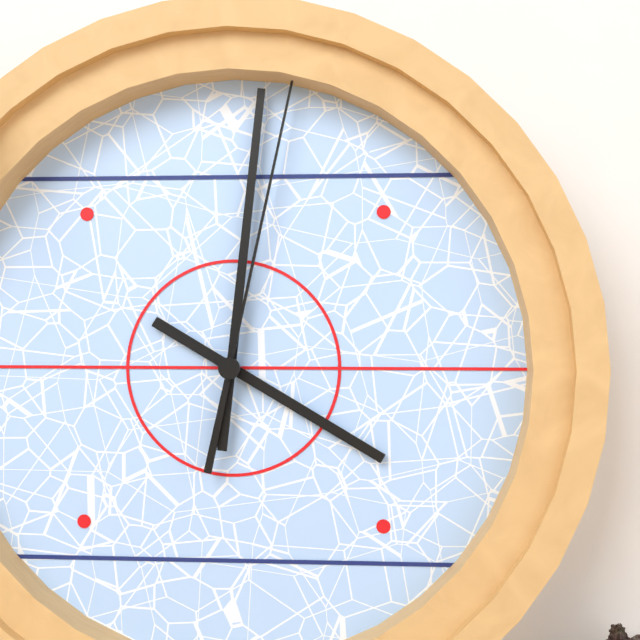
4:01:02
